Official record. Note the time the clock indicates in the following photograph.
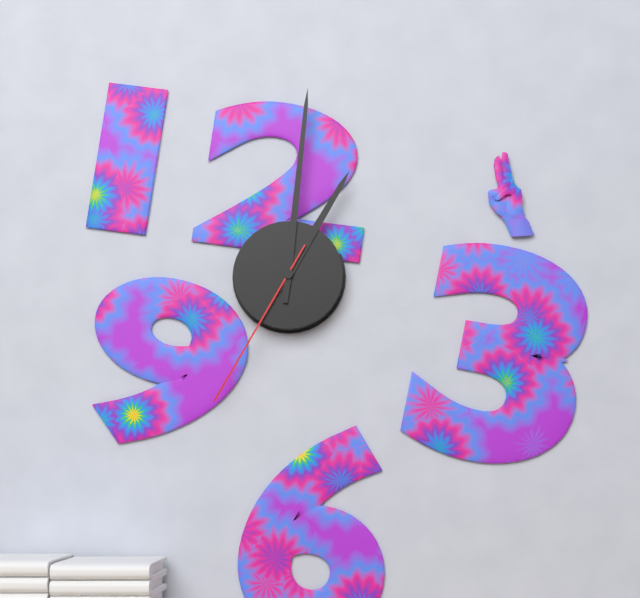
1:01:35
